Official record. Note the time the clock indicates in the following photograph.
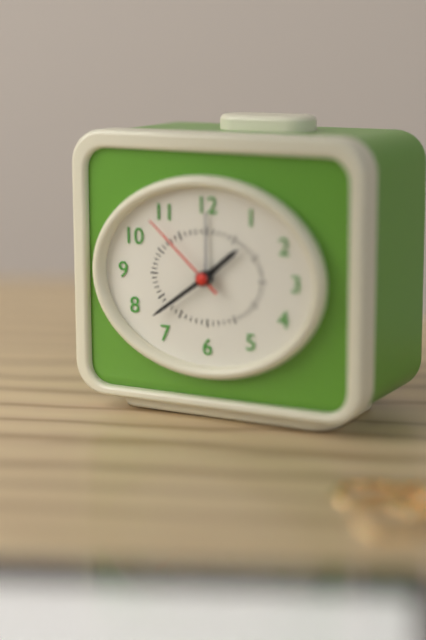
1:39:52
